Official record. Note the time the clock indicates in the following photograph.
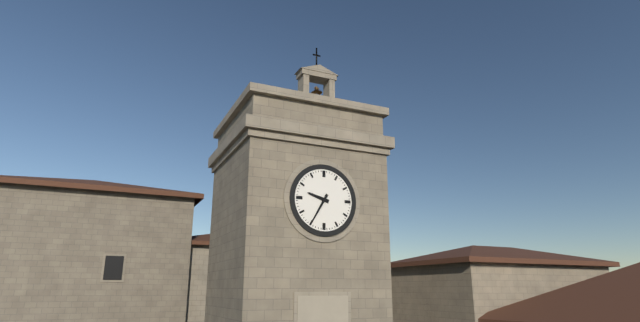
9:35
